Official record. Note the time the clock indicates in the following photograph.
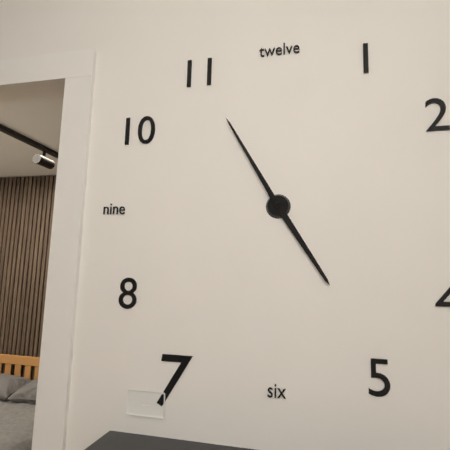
4:55
